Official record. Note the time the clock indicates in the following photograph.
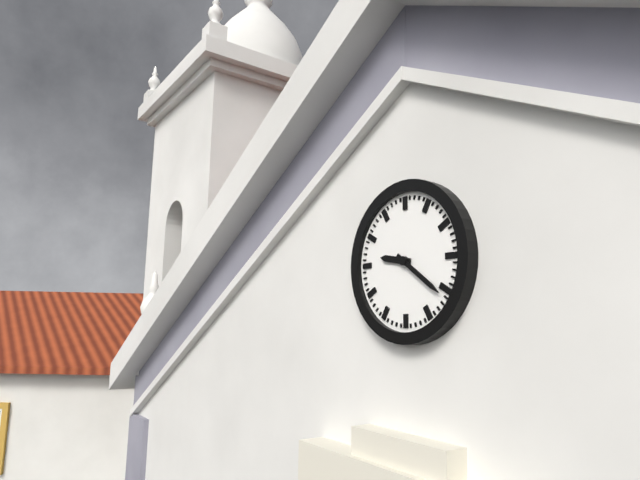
9:21
